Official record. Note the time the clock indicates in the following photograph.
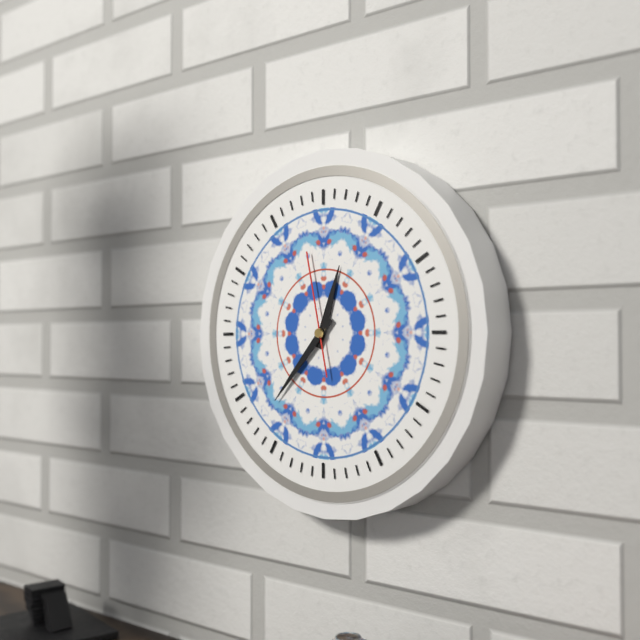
12:37:58
